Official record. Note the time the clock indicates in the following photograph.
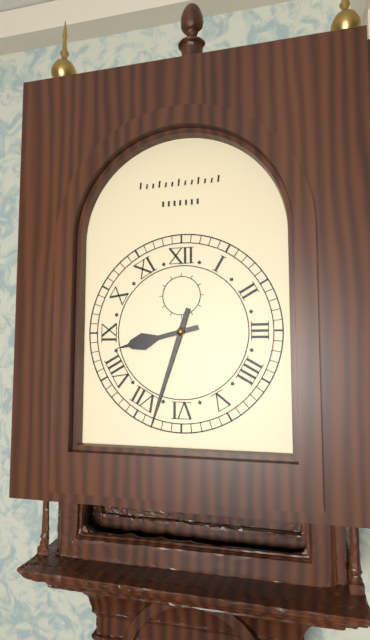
8:33
